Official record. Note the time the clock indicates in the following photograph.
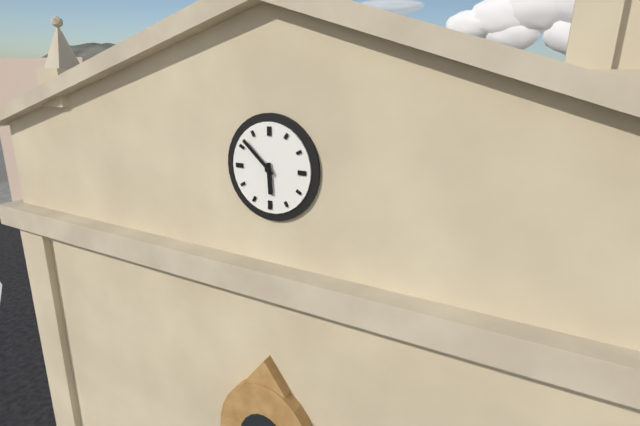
5:52
